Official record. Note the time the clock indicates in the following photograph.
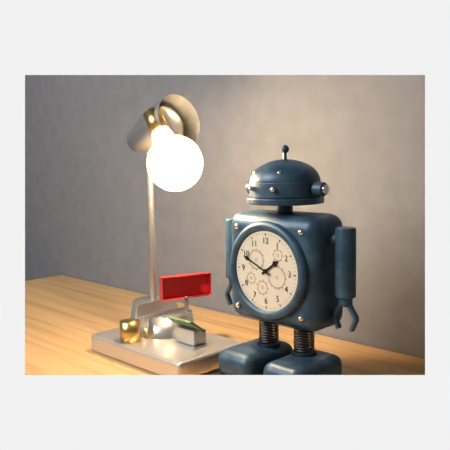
1:49
